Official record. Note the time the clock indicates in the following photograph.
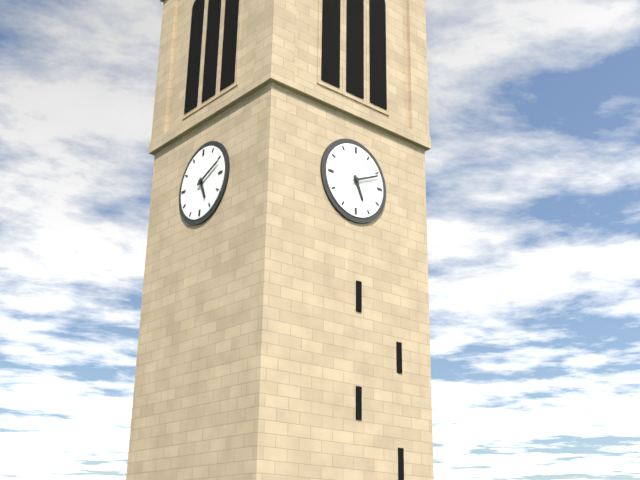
5:11
